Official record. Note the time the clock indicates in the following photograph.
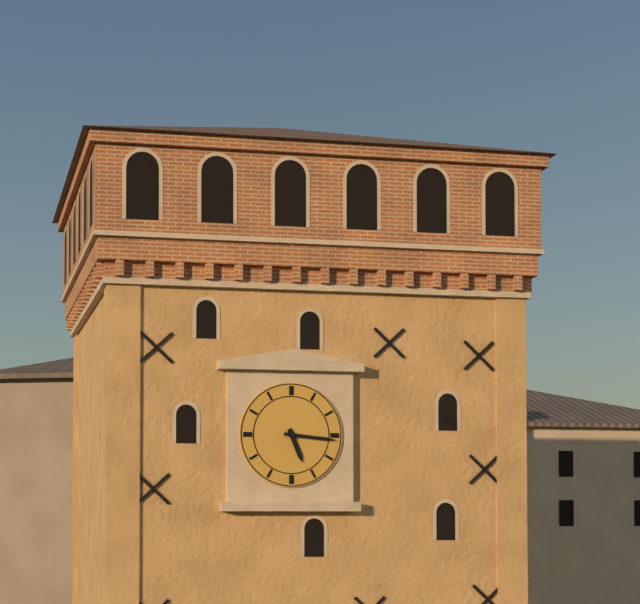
5:16
